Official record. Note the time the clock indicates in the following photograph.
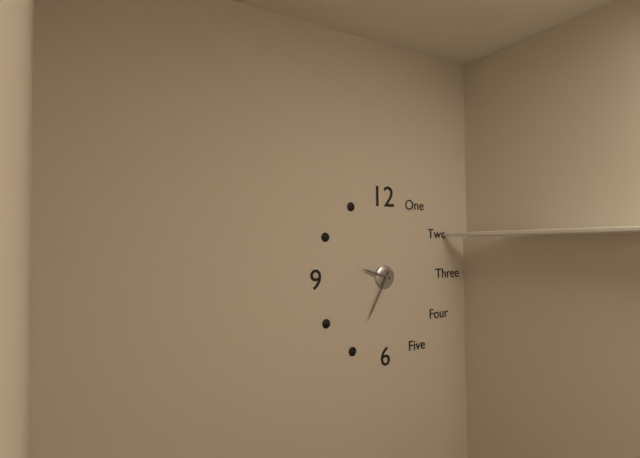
9:35
